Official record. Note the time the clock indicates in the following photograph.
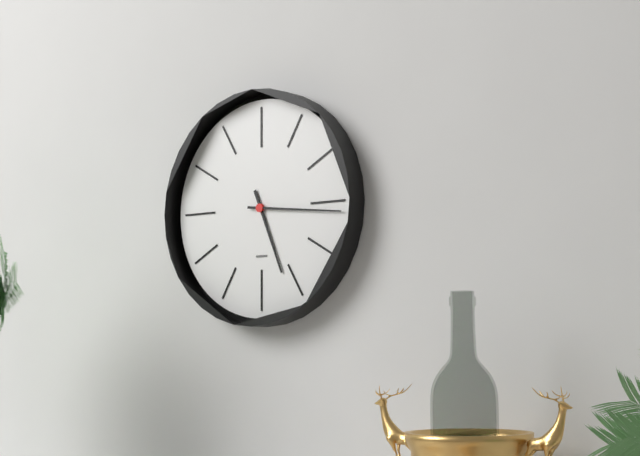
5:16
